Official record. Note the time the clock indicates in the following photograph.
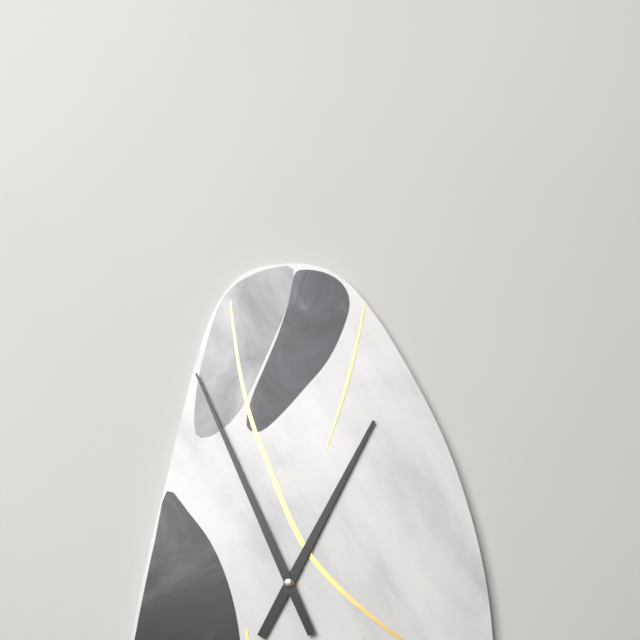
12:56
